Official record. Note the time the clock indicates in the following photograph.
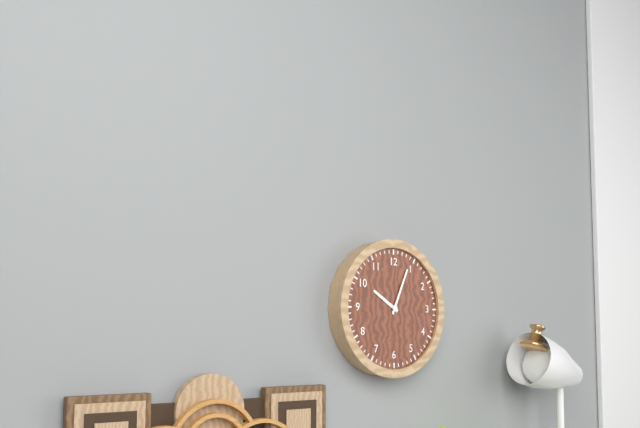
10:04
